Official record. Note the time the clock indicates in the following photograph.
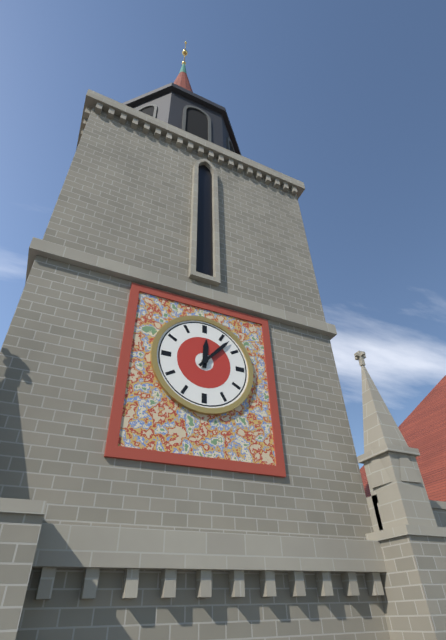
12:07
